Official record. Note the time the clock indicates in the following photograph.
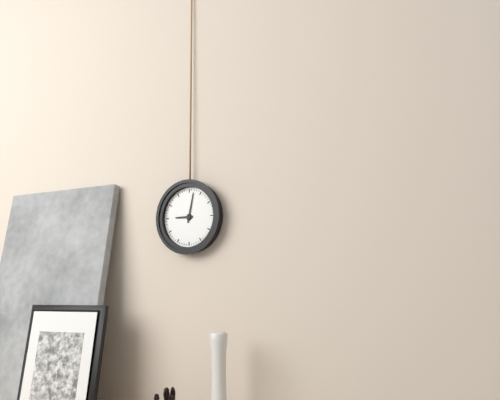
9:02
